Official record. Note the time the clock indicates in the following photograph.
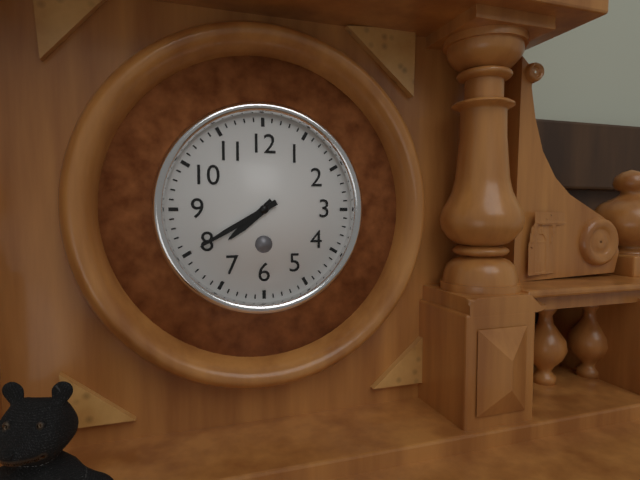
7:40
